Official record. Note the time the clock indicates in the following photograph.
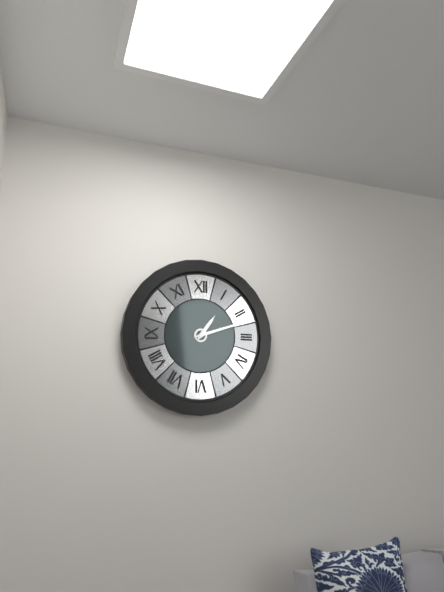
1:12
